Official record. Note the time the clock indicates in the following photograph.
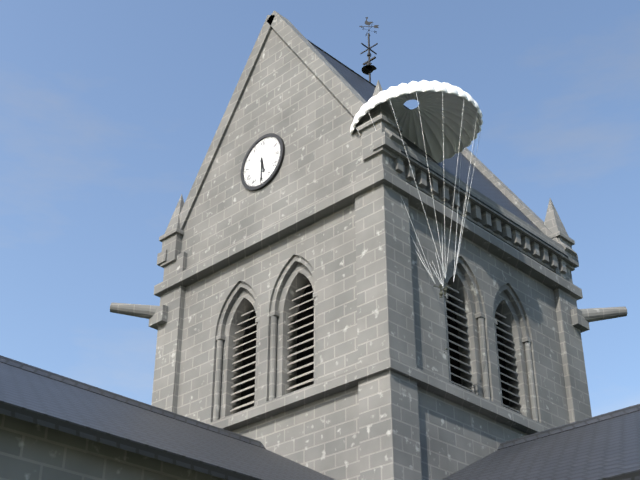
5:30
